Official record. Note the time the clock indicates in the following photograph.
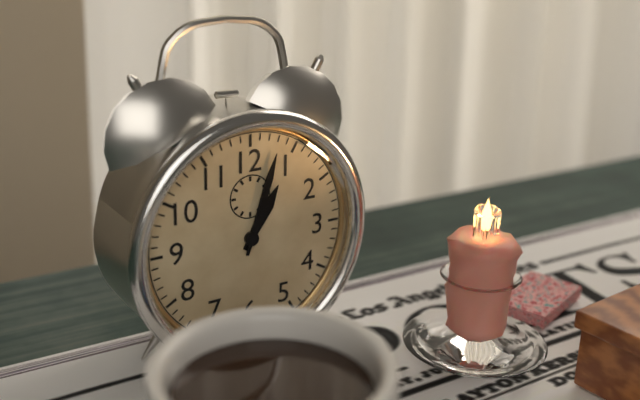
1:03
